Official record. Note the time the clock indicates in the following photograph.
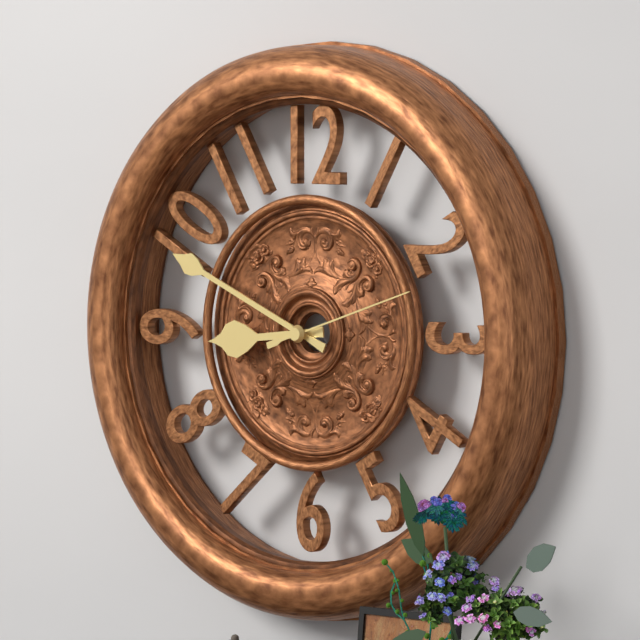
8:49:12
